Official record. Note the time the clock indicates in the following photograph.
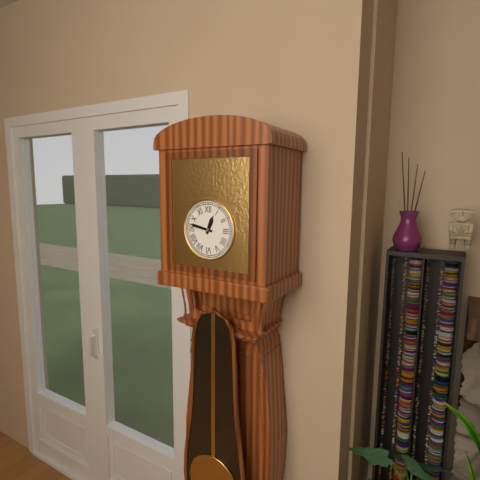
12:47
